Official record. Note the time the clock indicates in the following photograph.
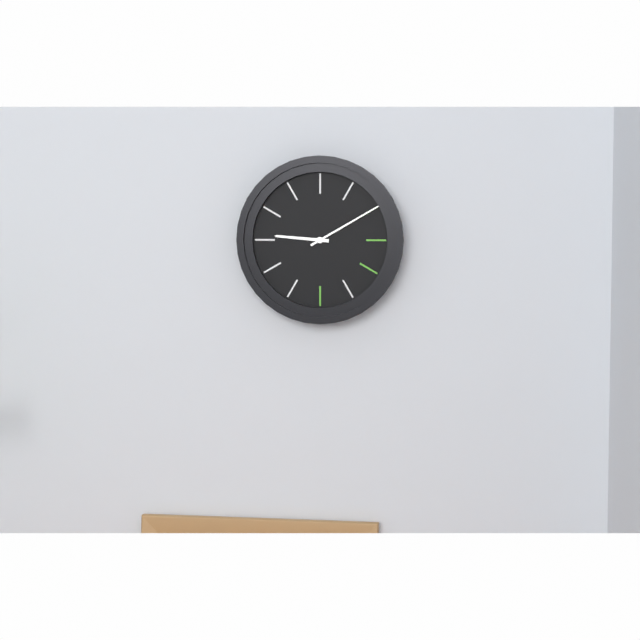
9:10
